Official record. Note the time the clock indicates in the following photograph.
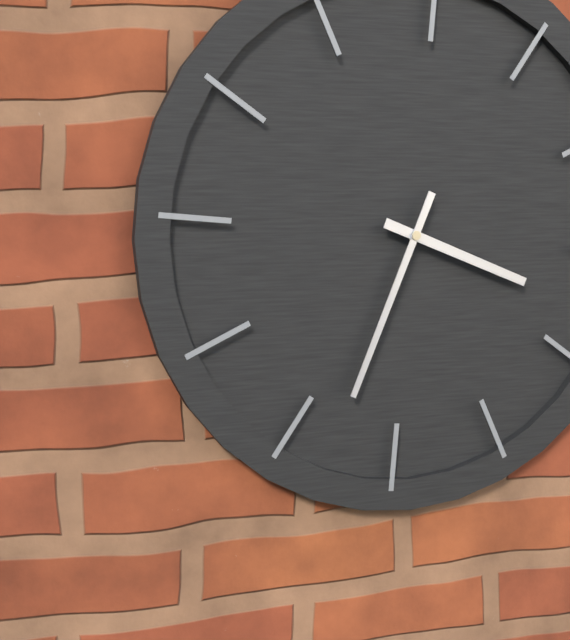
3:33
